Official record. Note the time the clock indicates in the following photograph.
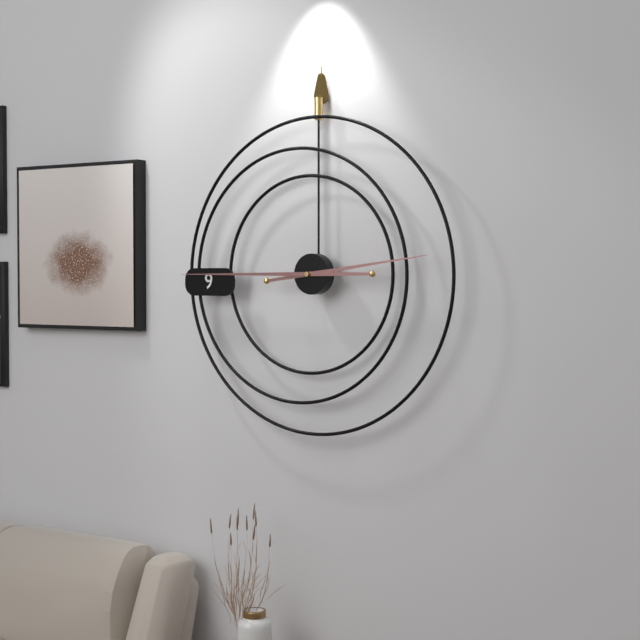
2:45
